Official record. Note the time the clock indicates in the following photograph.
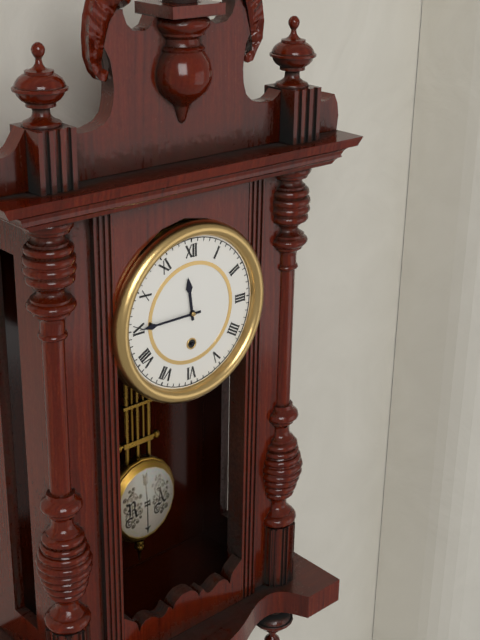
11:45
